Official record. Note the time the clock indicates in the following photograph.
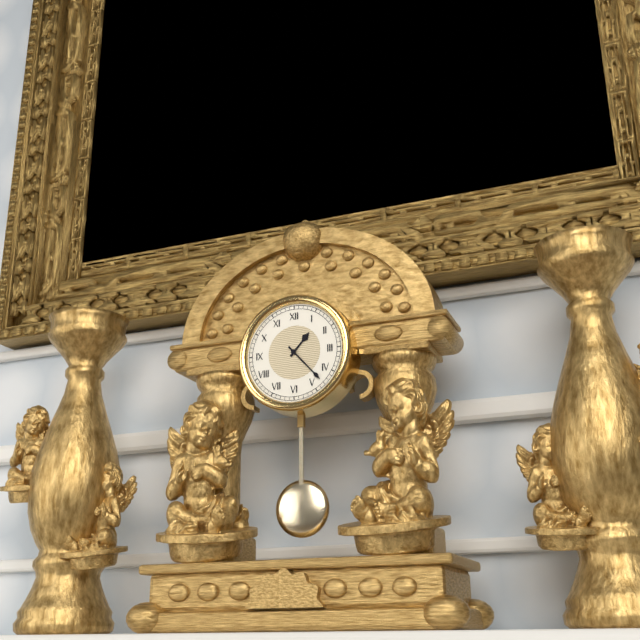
1:23
